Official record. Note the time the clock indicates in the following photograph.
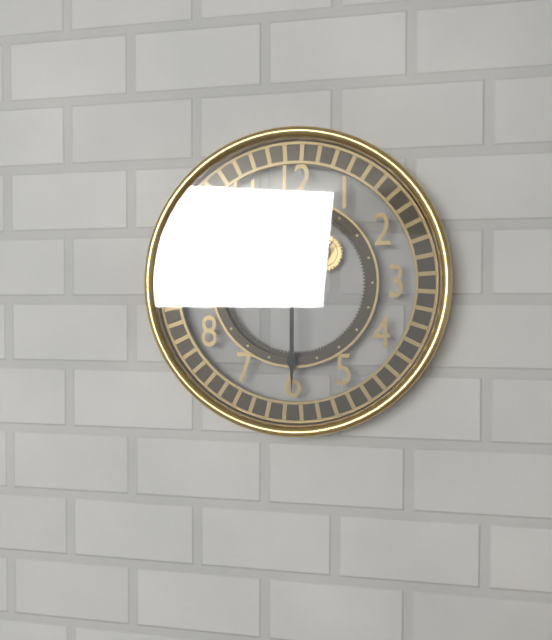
1:30
